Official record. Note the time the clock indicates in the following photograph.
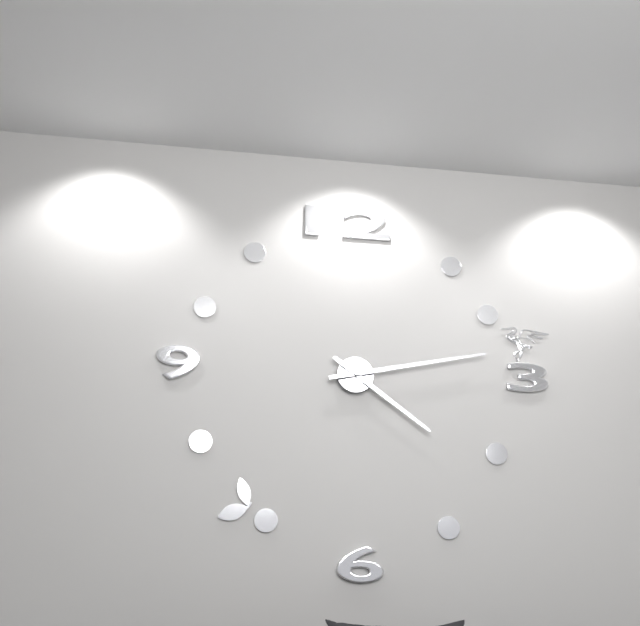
4:13
